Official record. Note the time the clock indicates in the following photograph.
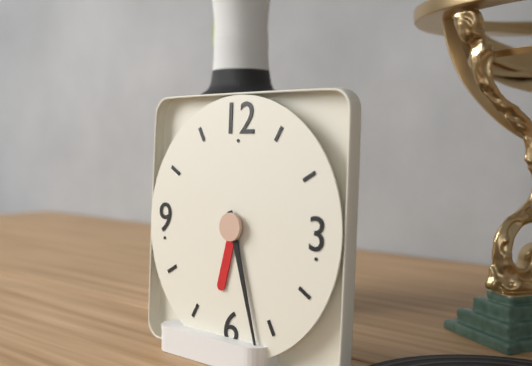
6:27
